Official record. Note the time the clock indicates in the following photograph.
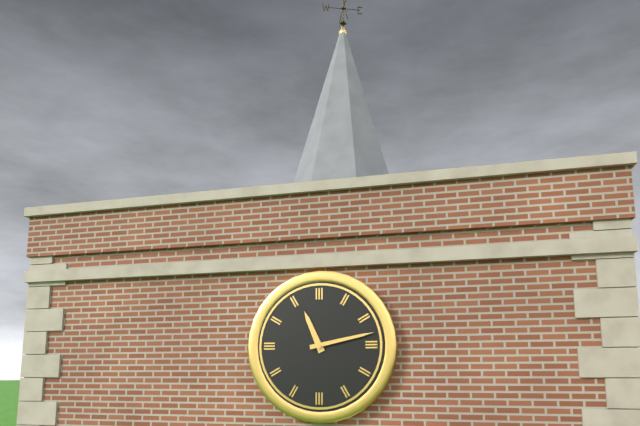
11:13
